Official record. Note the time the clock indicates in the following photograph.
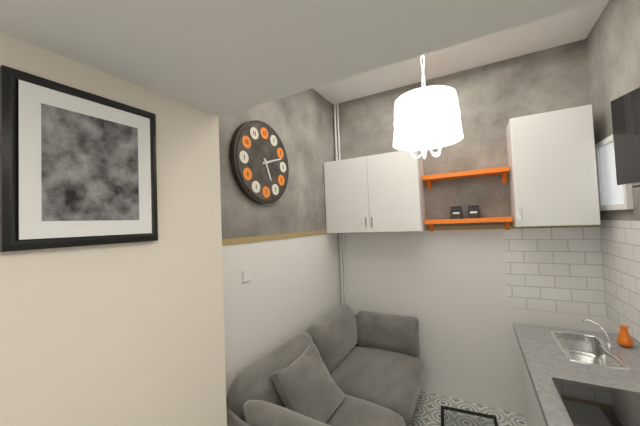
5:12
